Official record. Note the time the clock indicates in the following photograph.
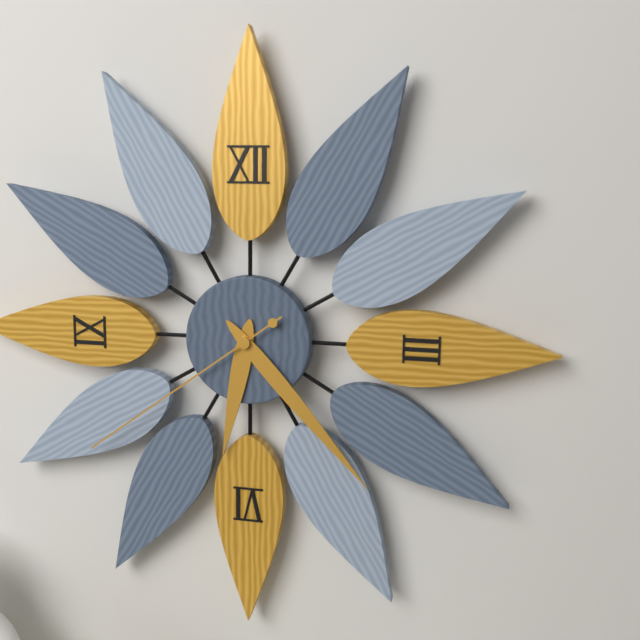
6:23:39
